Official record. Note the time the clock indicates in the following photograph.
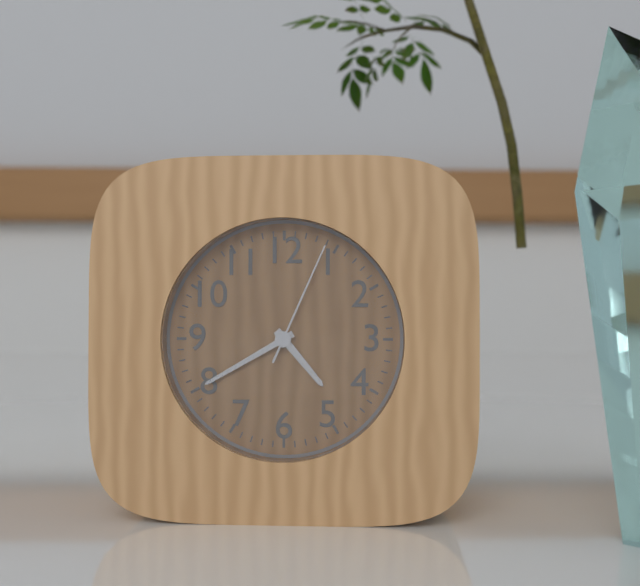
4:40:04
